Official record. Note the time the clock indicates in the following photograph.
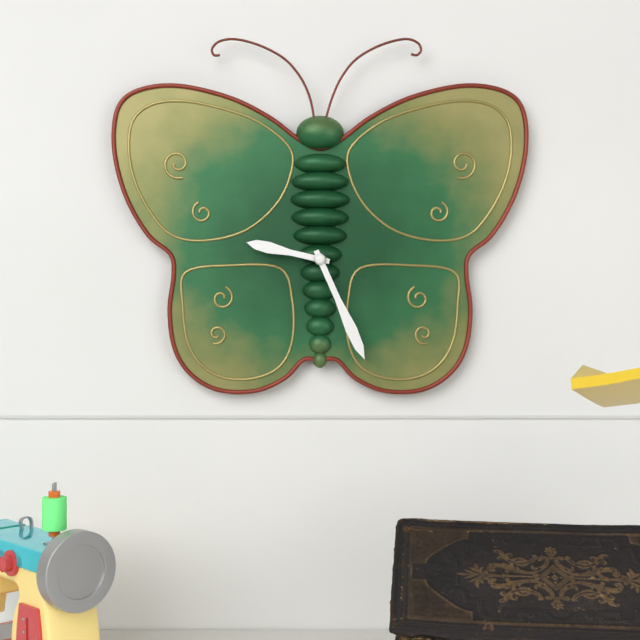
9:26
